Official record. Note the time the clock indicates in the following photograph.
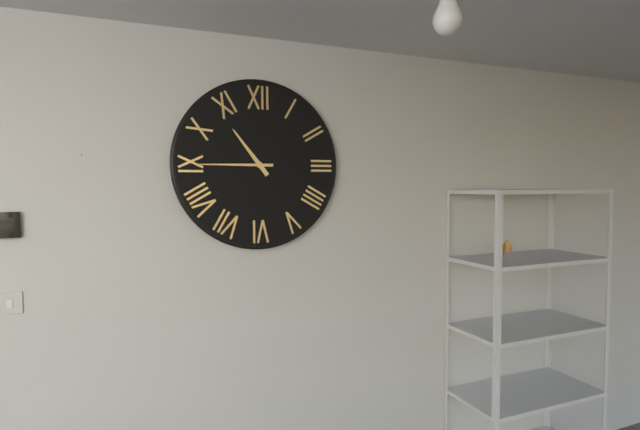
10:45
